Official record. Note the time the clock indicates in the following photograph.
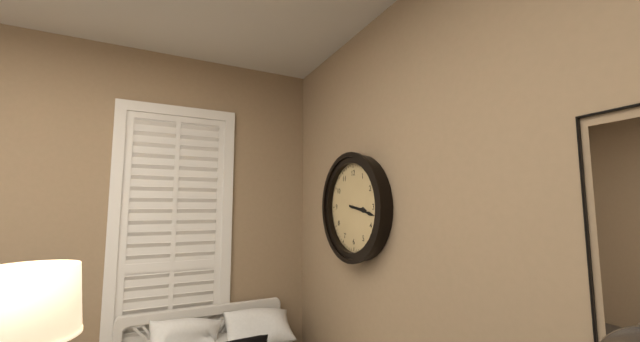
3:17
